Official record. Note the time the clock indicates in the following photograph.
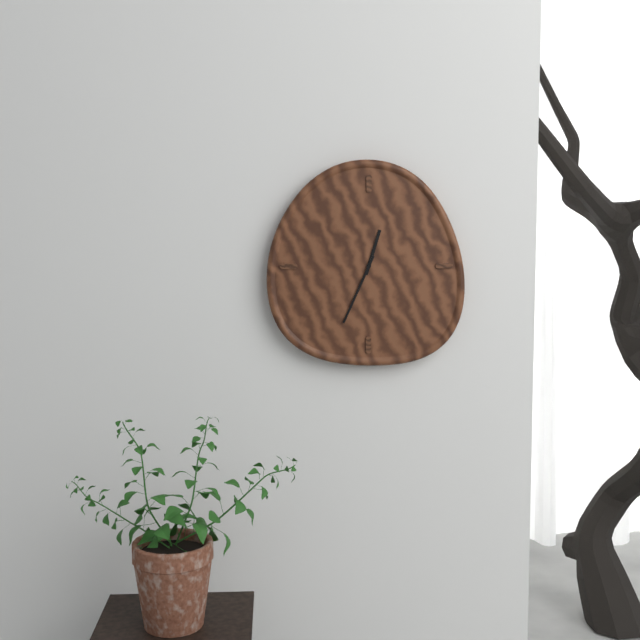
12:34
